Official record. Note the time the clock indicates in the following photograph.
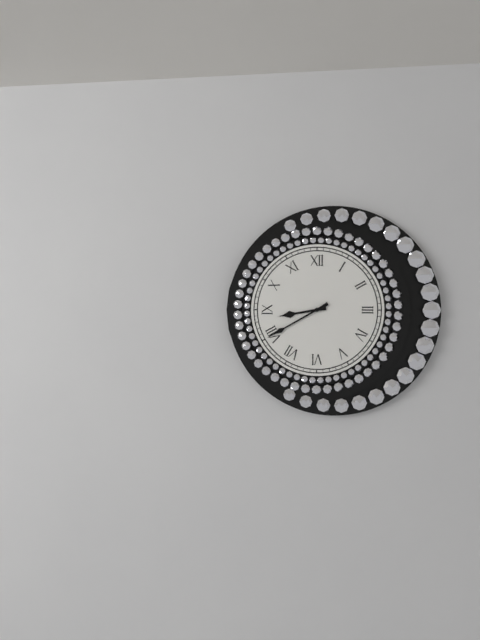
8:40
